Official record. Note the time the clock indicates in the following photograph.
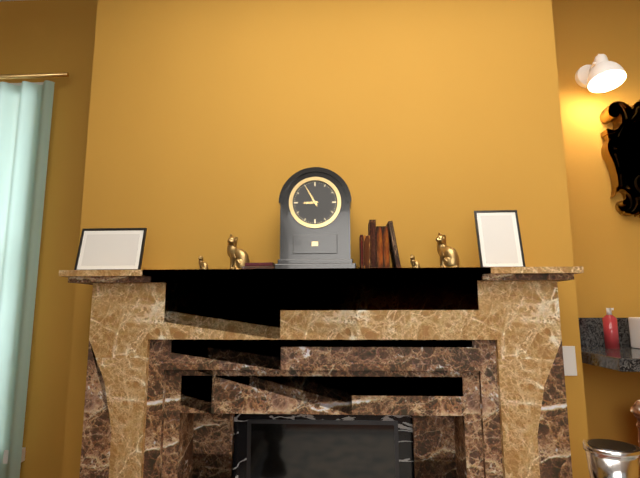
8:55
